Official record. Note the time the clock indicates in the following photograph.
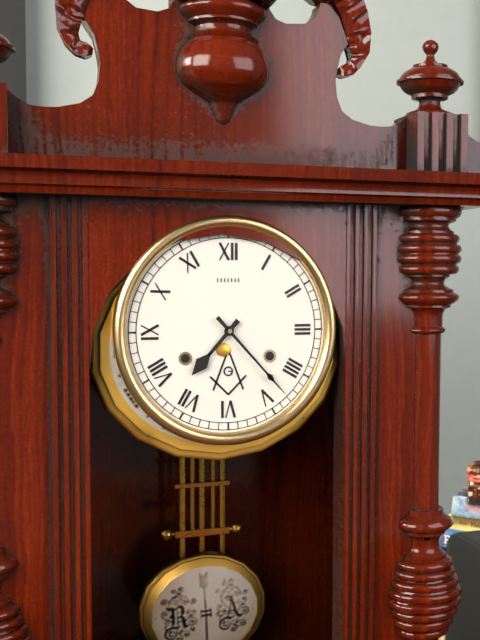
7:23
